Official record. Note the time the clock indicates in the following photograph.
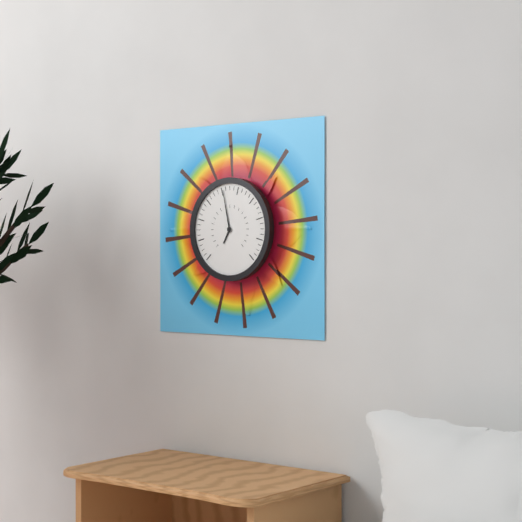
6:58
